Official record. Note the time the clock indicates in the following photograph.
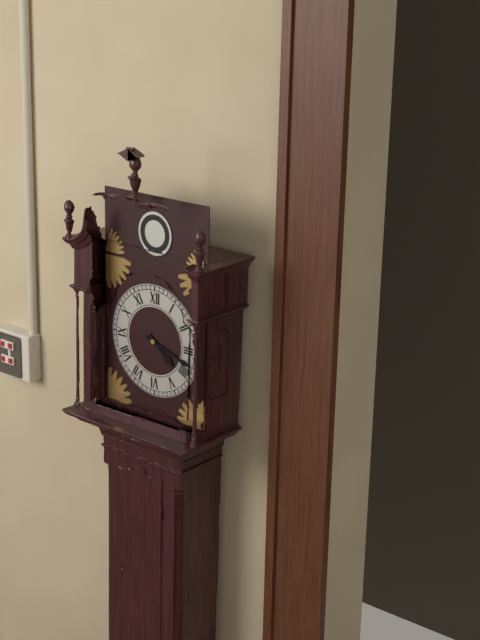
4:18
